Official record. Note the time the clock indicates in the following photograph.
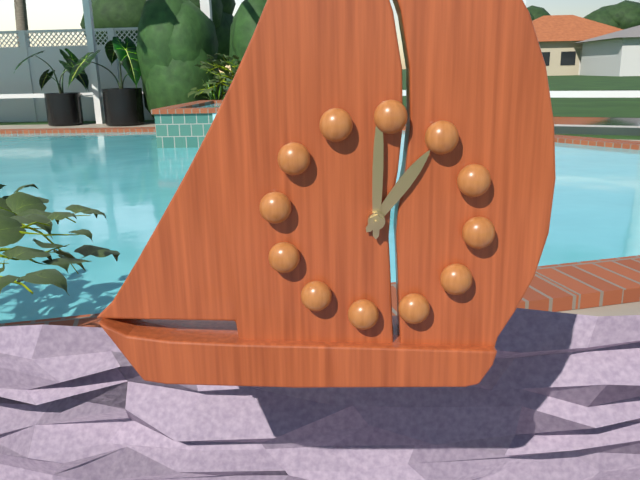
12:59
